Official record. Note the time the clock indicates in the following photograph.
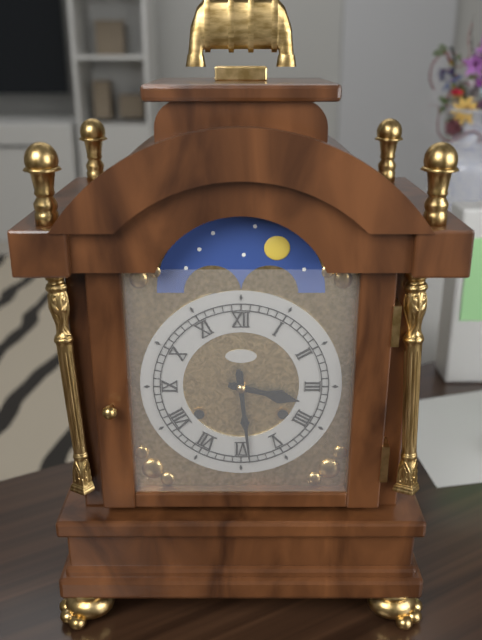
3:29
